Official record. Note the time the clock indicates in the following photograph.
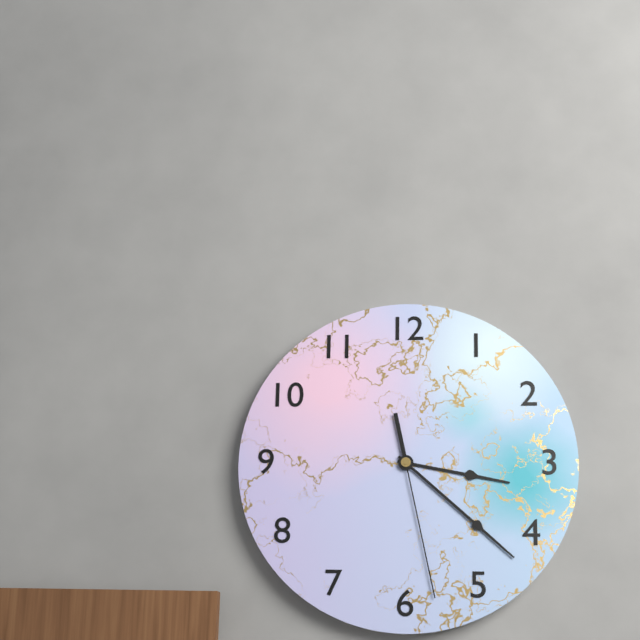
3:22:28
